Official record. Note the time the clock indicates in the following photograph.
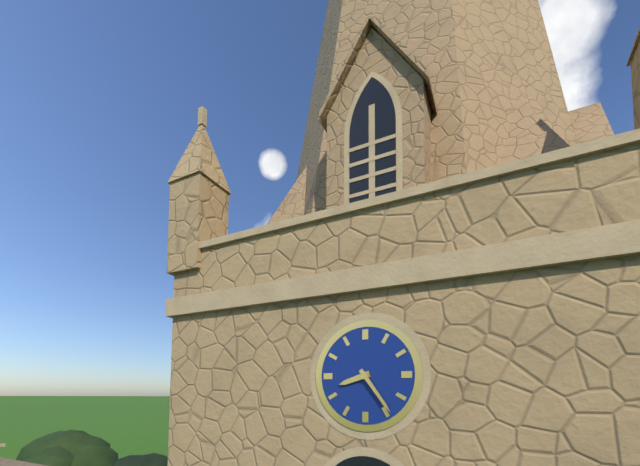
8:24
